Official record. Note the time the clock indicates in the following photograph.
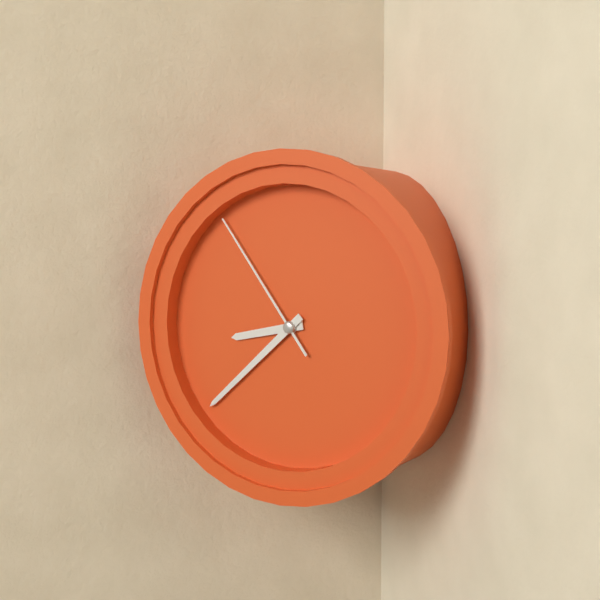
8:38:54
